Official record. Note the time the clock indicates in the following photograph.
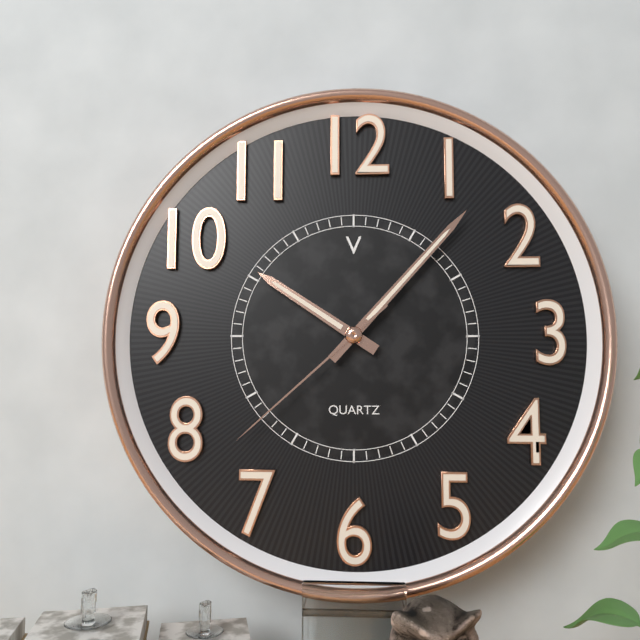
10:07:38
